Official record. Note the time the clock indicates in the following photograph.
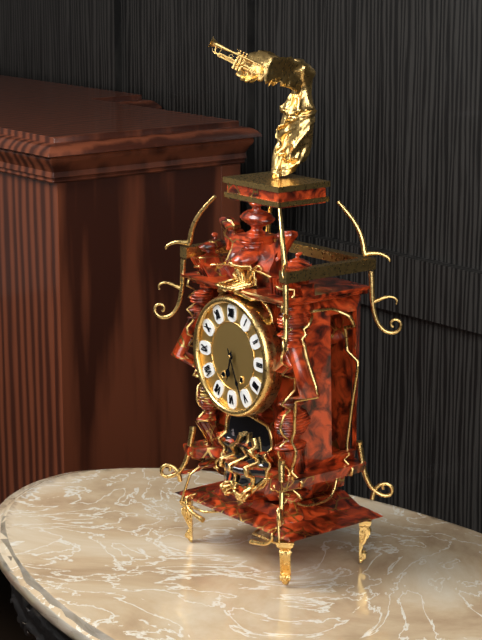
6:26
